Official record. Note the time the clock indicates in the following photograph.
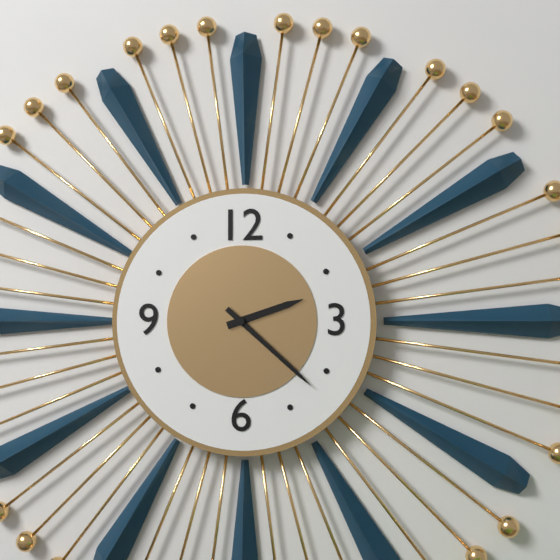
2:22
